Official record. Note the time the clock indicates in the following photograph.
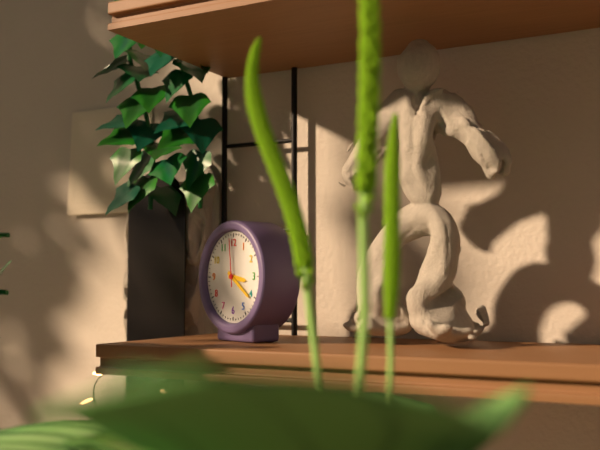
3:21:59
